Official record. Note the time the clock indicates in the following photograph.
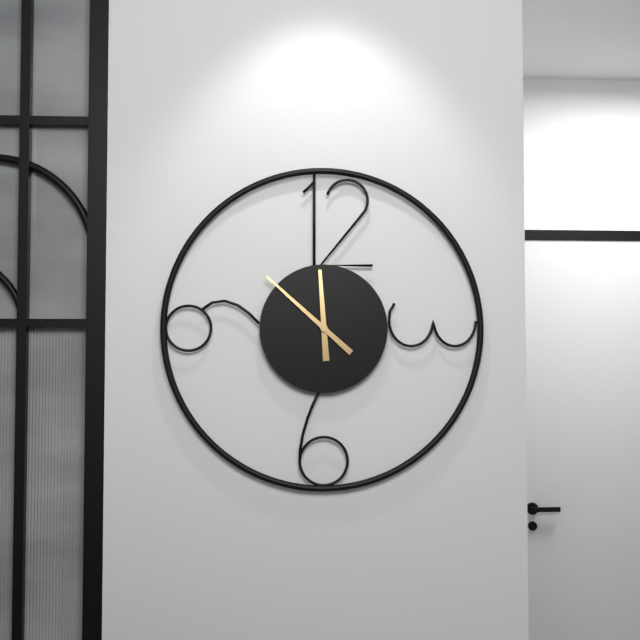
11:52
